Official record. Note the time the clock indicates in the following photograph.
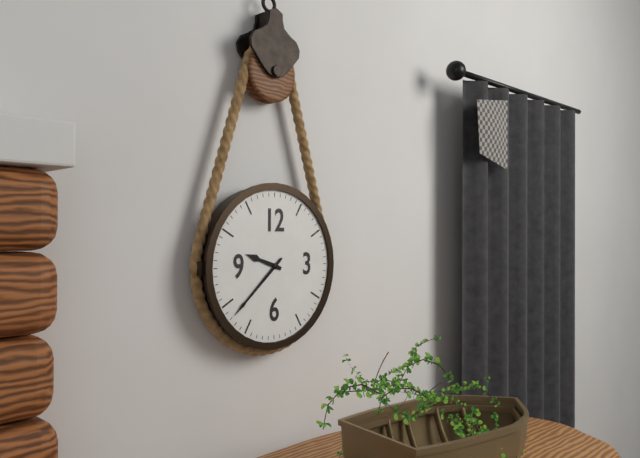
9:38
